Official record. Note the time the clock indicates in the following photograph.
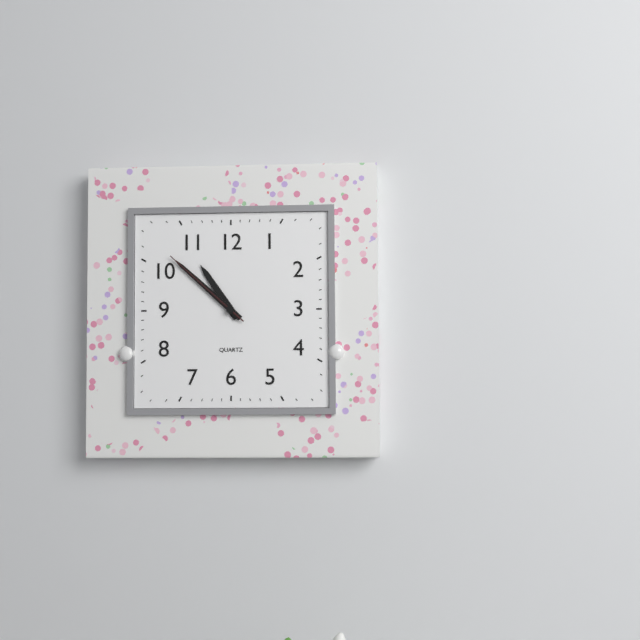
10:52:52
